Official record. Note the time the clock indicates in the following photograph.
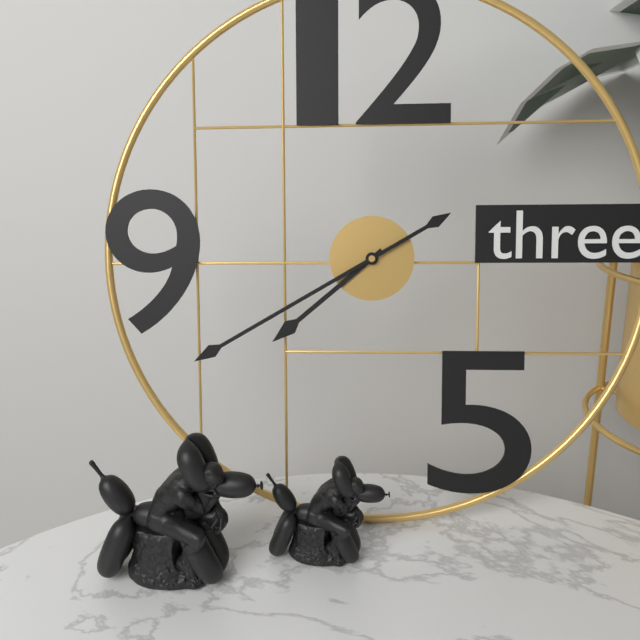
7:40
